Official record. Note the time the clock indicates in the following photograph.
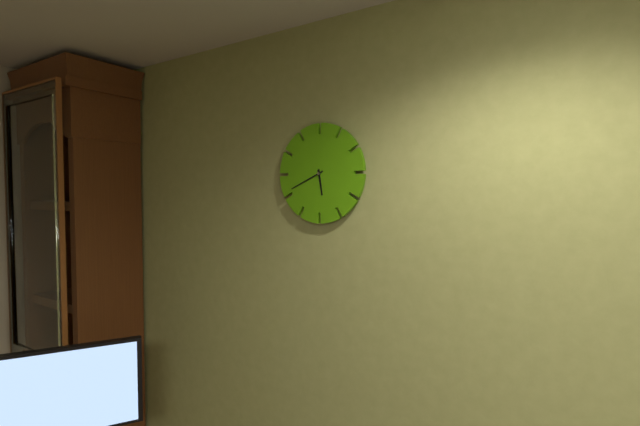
5:41
